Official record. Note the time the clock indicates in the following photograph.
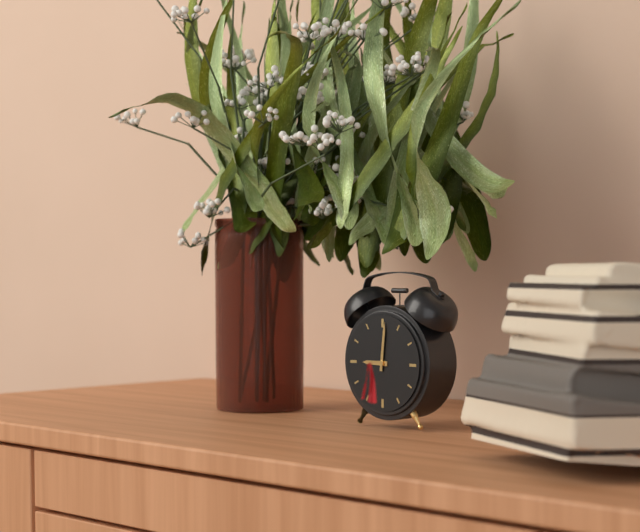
9:01
